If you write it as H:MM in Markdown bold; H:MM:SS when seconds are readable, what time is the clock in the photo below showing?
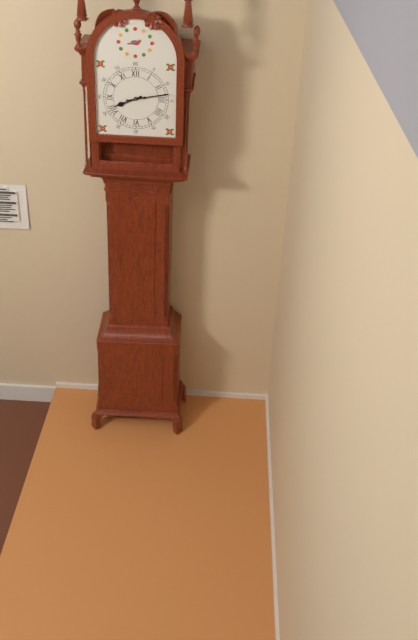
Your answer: **8:13**
